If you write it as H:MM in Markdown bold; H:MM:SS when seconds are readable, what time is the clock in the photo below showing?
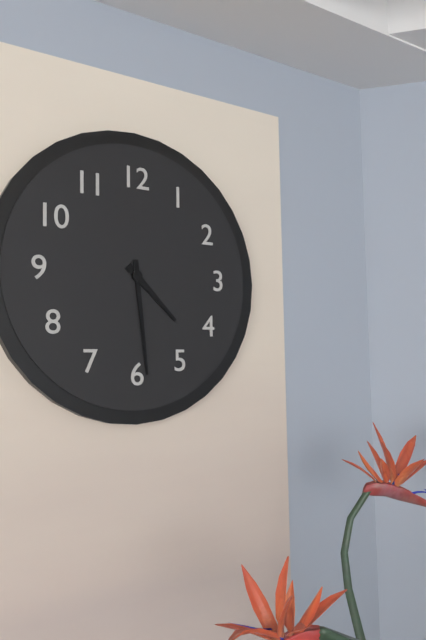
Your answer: **4:29**
